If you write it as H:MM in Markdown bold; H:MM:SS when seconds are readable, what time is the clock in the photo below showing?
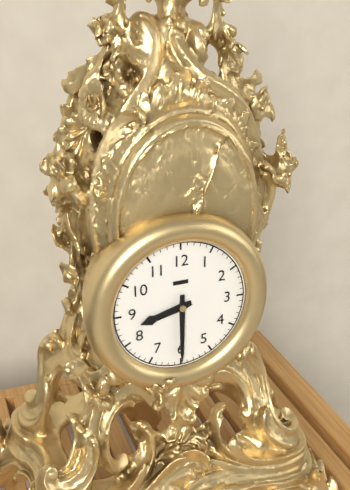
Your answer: **8:30**
